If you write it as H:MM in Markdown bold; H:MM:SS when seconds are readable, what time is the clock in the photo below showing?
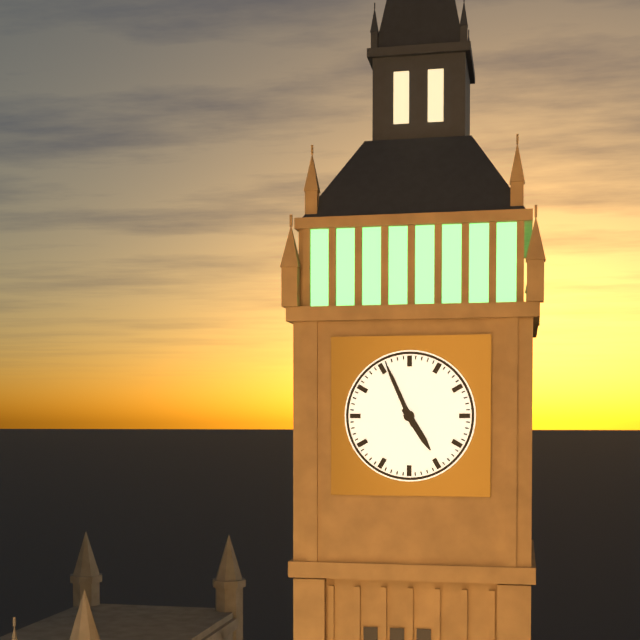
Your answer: **4:56**
